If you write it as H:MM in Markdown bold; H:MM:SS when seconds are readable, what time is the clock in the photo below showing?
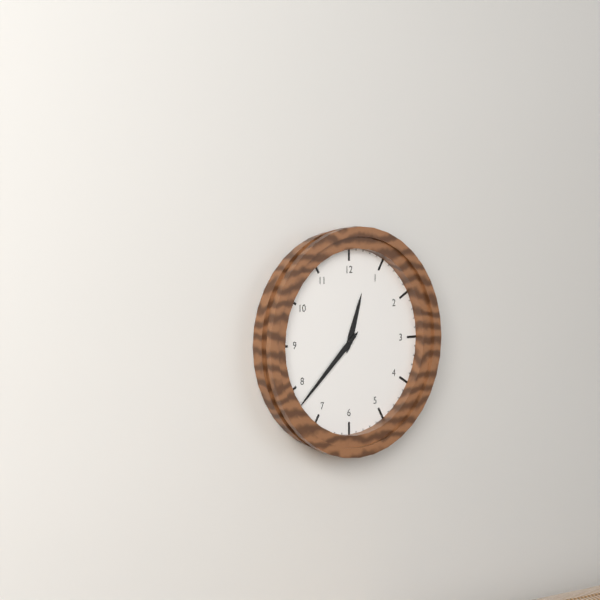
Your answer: **12:38**
